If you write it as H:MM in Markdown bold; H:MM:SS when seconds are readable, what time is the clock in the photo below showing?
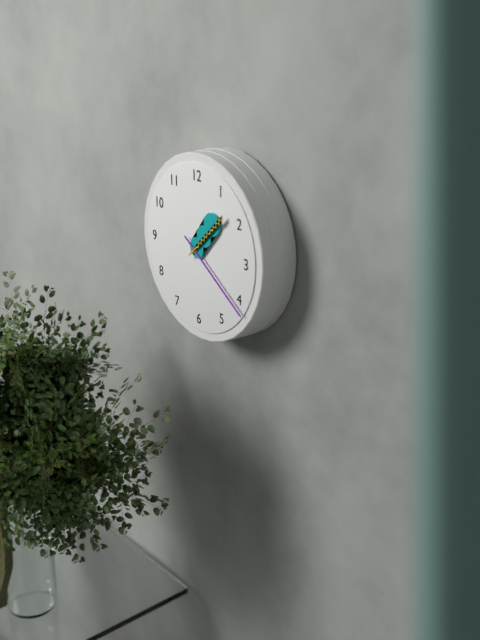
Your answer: **1:21:08**
